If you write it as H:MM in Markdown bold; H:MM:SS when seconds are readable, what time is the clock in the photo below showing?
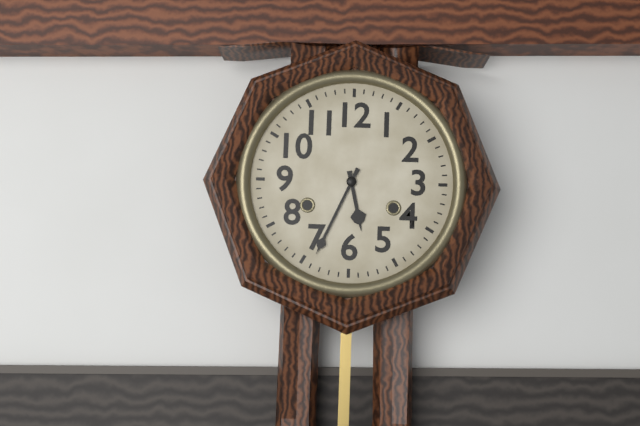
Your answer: **5:34**
